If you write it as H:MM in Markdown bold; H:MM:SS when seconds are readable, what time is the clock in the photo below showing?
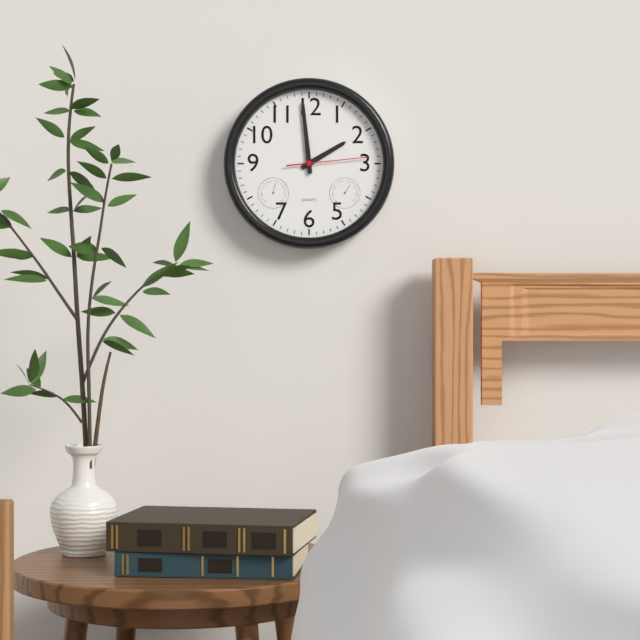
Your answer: **1:59:14**
